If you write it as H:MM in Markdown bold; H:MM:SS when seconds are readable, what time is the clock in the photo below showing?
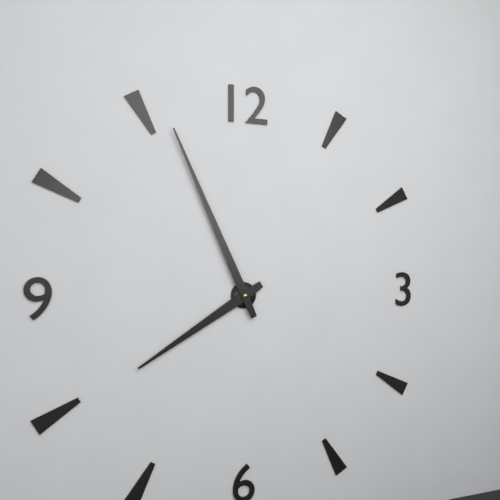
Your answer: **7:56**
